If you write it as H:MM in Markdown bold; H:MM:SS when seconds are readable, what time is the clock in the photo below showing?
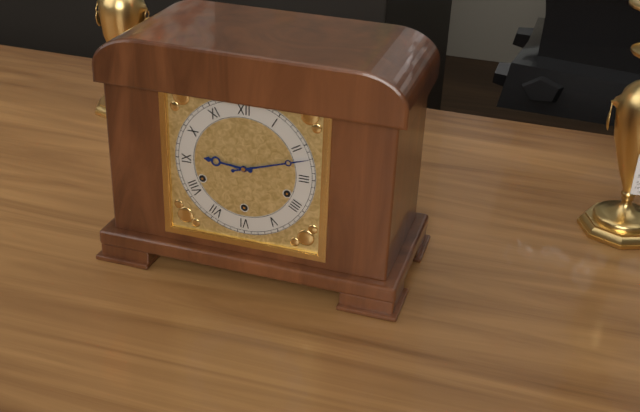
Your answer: **9:12**
